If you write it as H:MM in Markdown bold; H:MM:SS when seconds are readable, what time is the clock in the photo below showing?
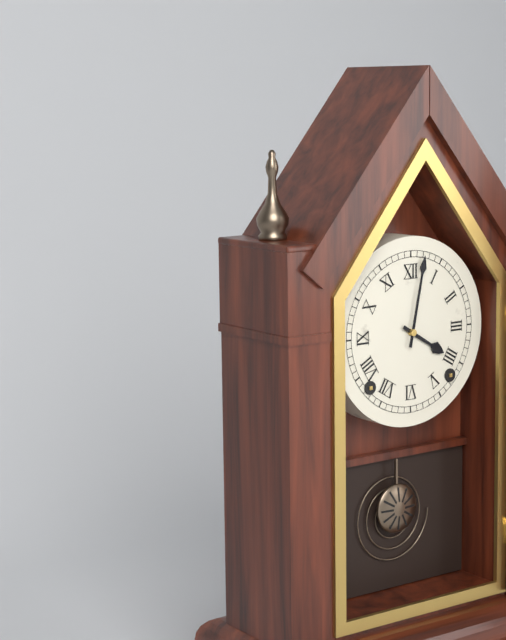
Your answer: **4:02**
